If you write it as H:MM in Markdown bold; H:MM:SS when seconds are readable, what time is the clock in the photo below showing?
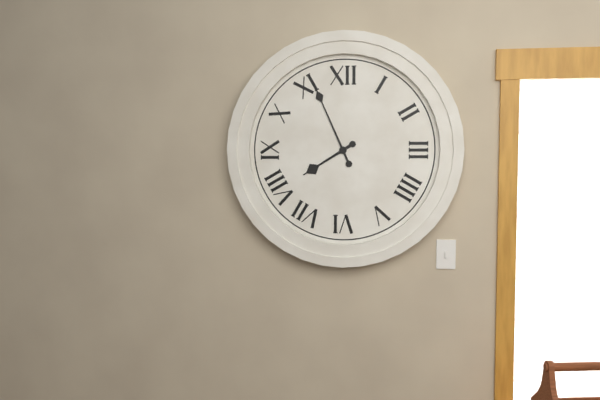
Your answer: **7:56**
